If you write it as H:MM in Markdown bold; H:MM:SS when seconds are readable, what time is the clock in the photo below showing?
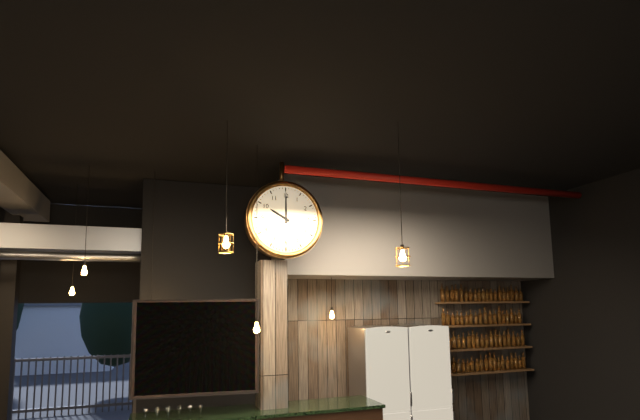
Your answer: **10:00**
